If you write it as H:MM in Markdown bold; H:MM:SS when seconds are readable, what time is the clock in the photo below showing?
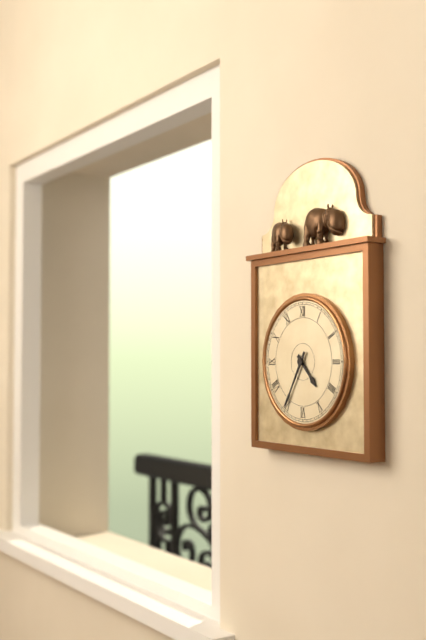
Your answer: **4:35**
